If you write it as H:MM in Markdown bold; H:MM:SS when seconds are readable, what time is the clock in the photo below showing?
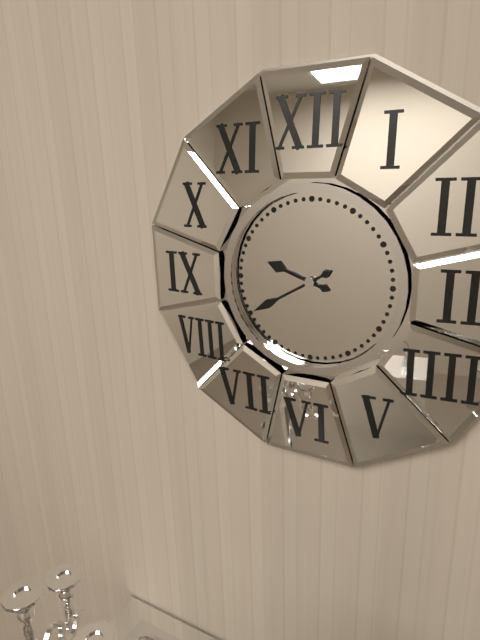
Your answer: **9:40**
